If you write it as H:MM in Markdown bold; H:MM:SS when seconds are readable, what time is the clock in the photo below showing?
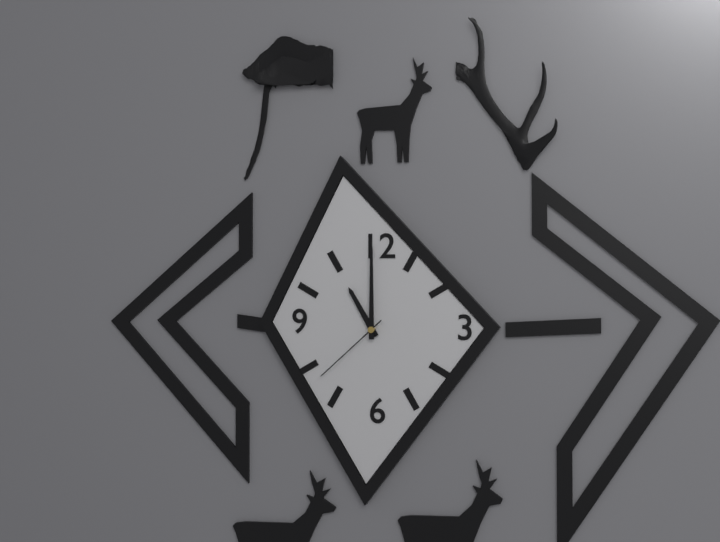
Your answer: **11:00:38**
